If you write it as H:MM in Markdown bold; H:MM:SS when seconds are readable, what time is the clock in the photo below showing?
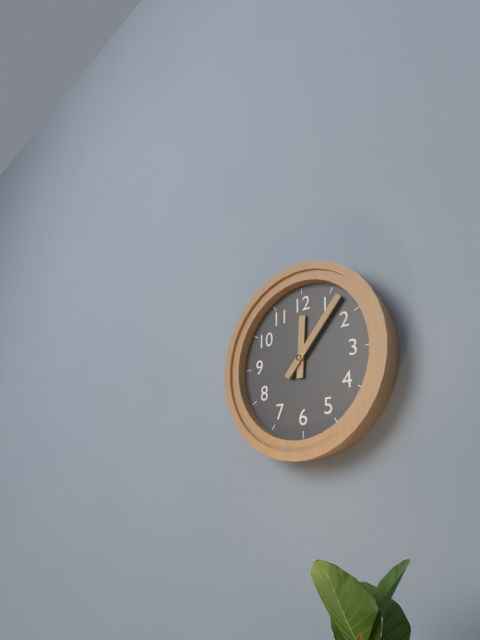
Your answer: **12:07**
